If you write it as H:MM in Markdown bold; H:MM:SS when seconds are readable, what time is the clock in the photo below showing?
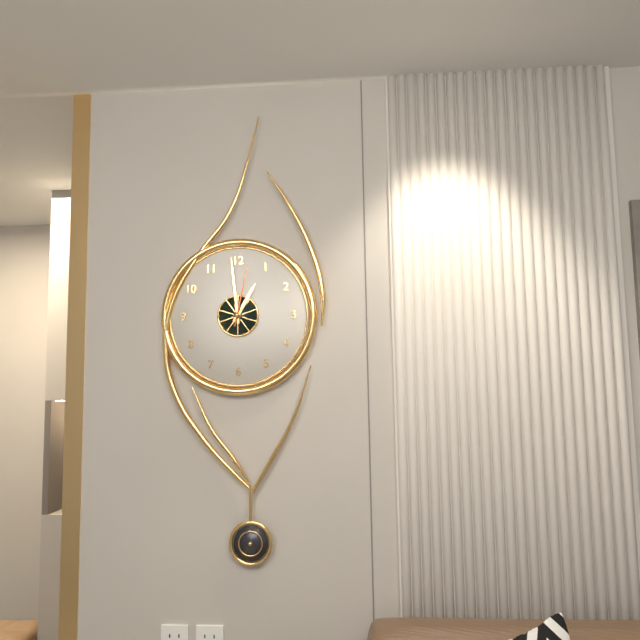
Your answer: **12:59:02**
